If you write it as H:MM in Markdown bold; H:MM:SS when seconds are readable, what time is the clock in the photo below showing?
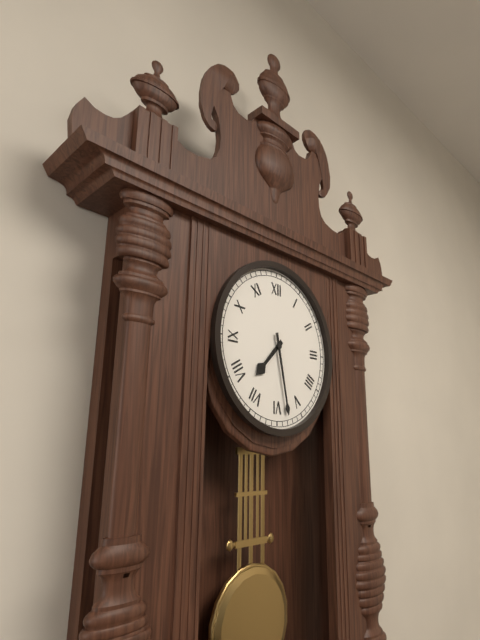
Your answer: **7:28**
